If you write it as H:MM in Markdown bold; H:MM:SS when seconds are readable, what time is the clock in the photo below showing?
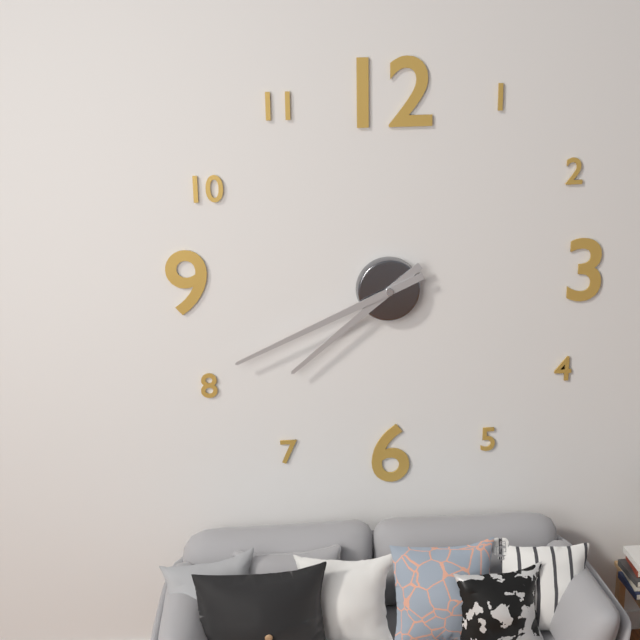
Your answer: **7:41**
